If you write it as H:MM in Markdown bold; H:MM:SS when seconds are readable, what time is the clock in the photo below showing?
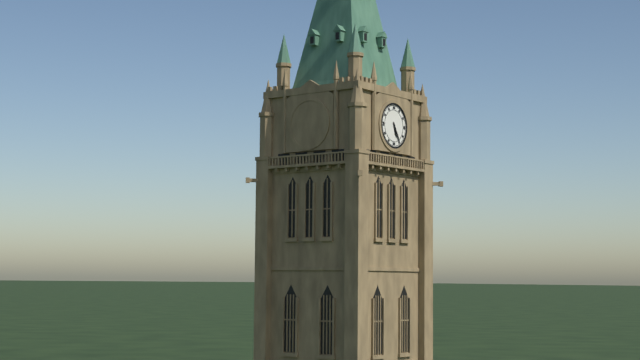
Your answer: **5:25**
